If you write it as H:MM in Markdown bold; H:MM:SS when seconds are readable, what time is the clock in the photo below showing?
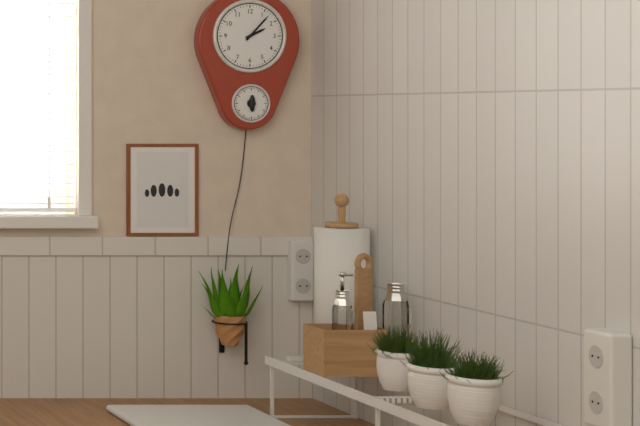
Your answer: **2:07**
